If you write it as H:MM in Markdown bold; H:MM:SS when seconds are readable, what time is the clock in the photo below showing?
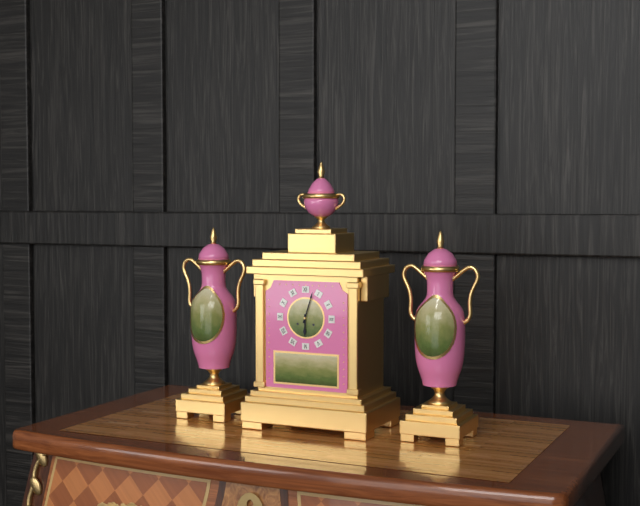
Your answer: **6:03**
